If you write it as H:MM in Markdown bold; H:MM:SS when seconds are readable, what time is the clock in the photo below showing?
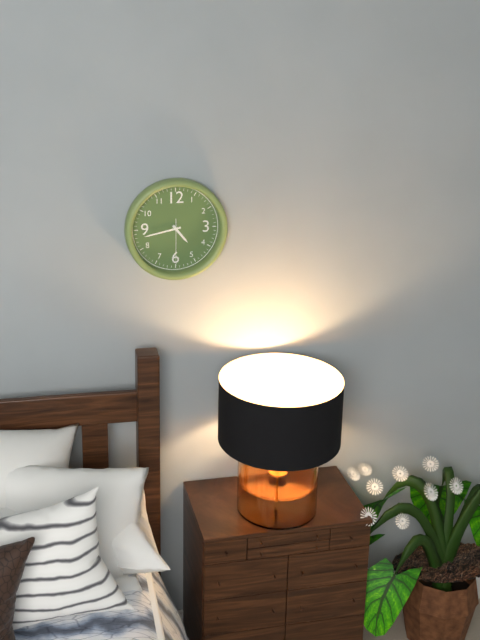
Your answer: **4:43**
